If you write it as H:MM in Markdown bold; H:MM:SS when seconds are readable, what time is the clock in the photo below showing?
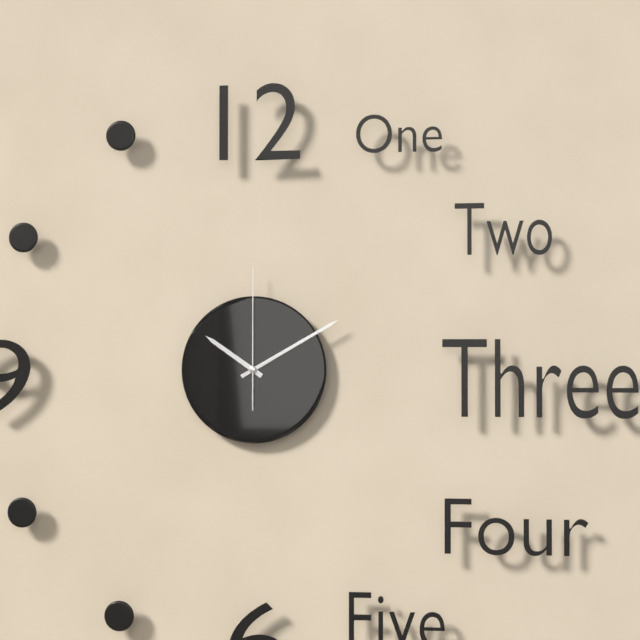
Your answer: **10:10:00**
